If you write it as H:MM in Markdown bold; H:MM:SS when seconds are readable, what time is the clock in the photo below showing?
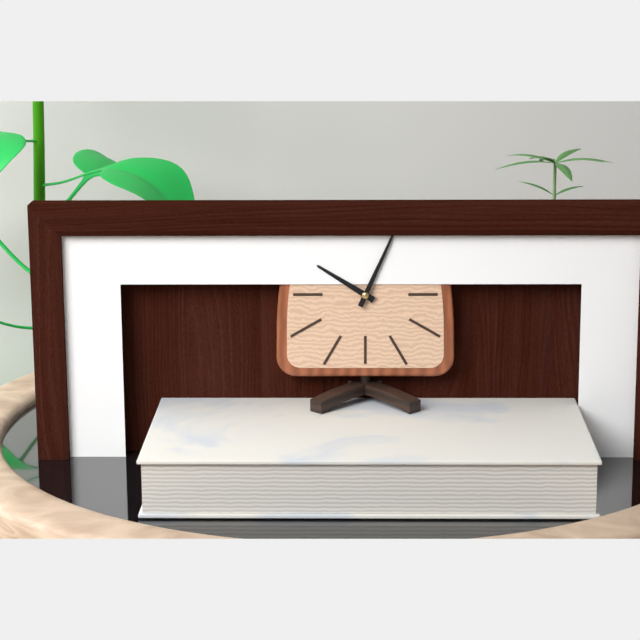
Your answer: **10:04**
